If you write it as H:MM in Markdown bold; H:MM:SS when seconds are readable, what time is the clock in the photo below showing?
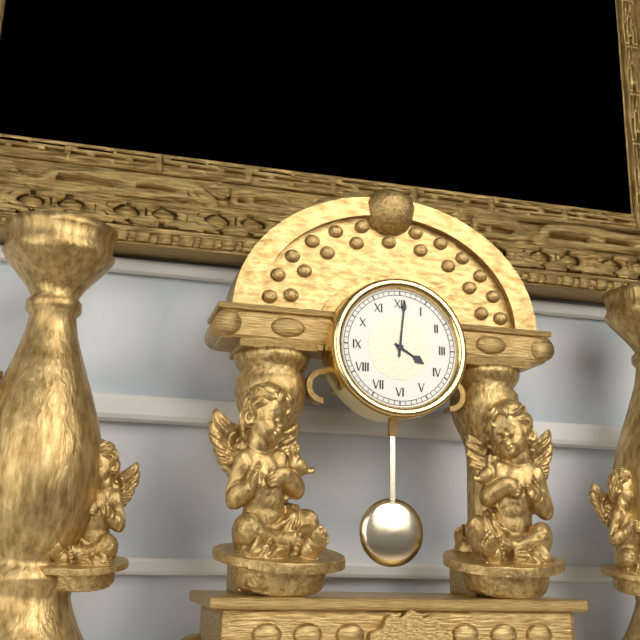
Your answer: **4:01**
